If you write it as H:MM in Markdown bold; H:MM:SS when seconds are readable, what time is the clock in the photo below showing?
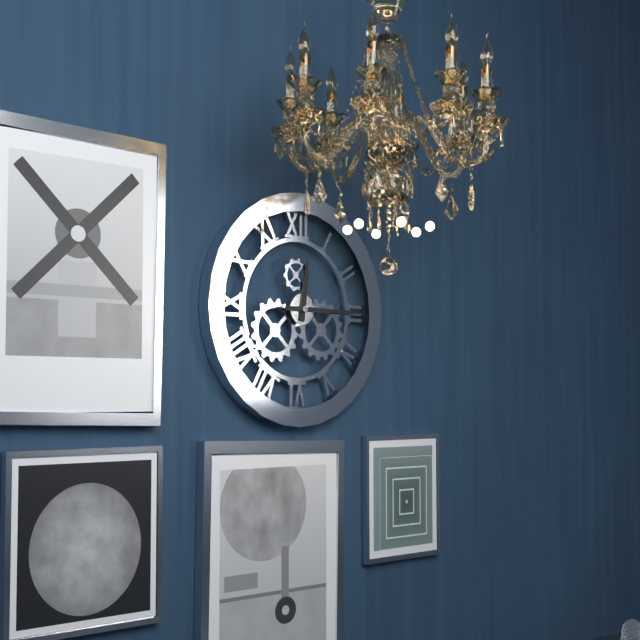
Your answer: **12:15**
